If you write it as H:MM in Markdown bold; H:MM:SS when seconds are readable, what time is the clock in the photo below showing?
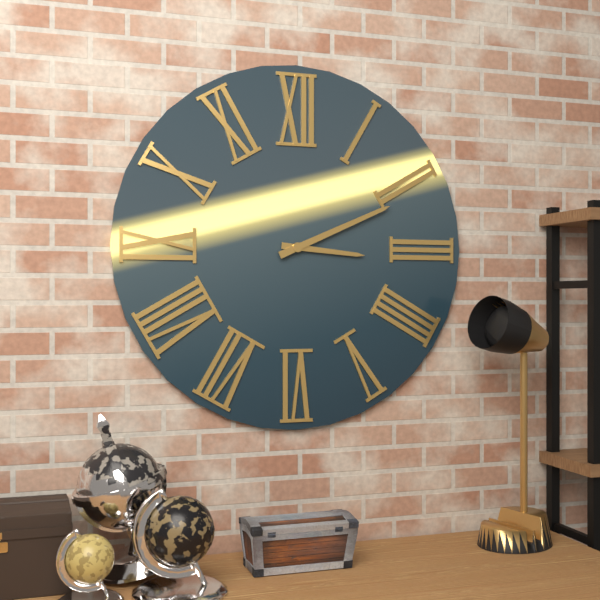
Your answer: **3:11**
